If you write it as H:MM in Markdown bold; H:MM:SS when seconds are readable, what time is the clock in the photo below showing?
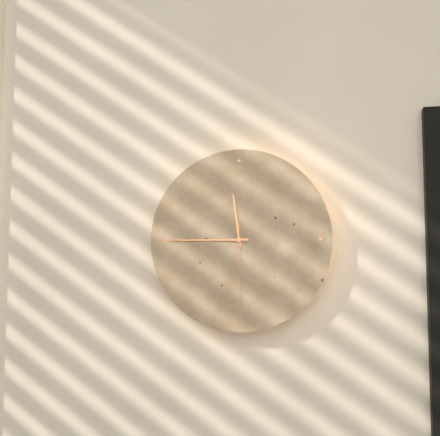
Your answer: **11:45:30**
